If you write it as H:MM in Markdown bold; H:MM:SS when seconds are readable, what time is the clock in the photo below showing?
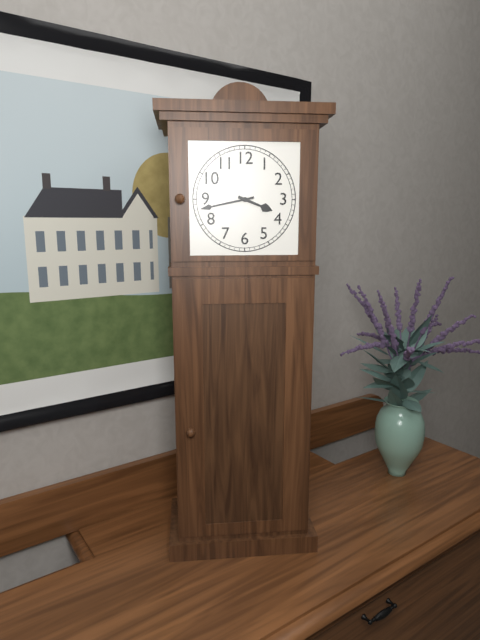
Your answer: **3:43**
